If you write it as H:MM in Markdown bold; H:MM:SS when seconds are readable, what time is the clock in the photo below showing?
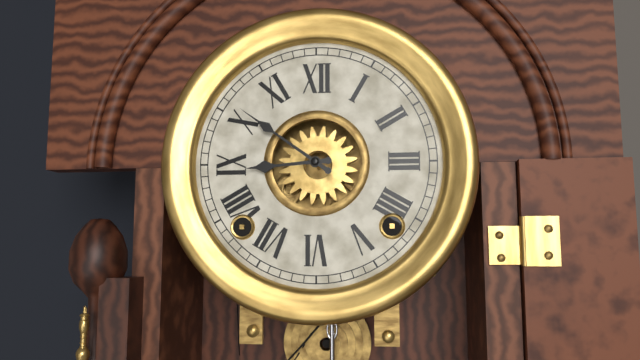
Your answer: **8:51**
